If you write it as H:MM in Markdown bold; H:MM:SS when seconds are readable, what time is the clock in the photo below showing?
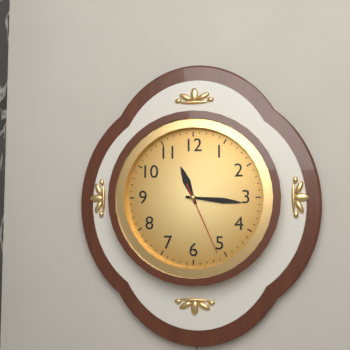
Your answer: **11:16:26**
